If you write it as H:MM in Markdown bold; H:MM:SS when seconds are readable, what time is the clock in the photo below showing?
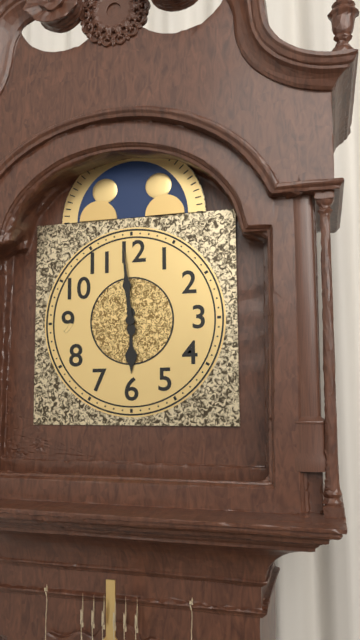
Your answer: **5:59**
